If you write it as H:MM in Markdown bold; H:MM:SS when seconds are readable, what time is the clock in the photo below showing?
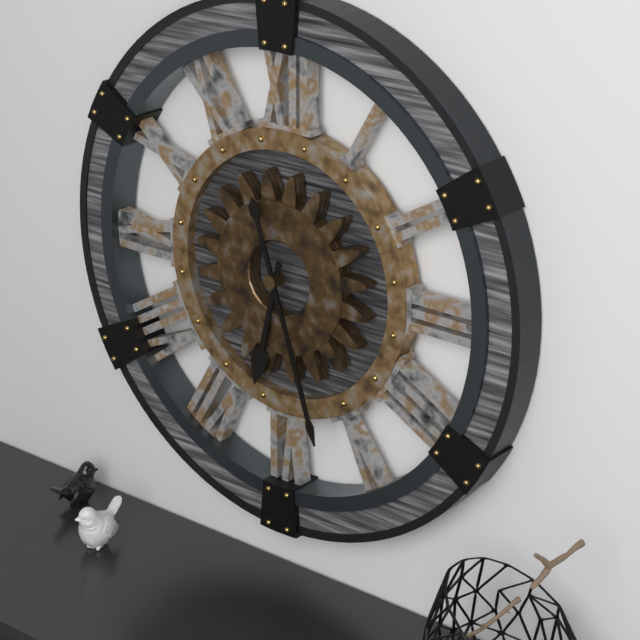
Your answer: **6:27**
